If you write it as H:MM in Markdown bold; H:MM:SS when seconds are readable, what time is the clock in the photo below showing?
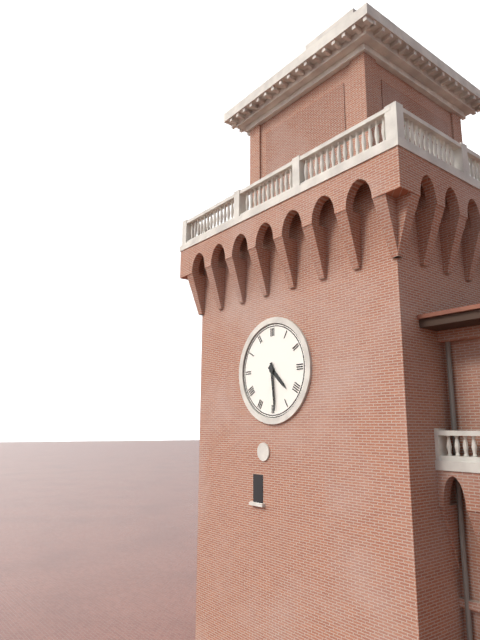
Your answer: **4:29**
